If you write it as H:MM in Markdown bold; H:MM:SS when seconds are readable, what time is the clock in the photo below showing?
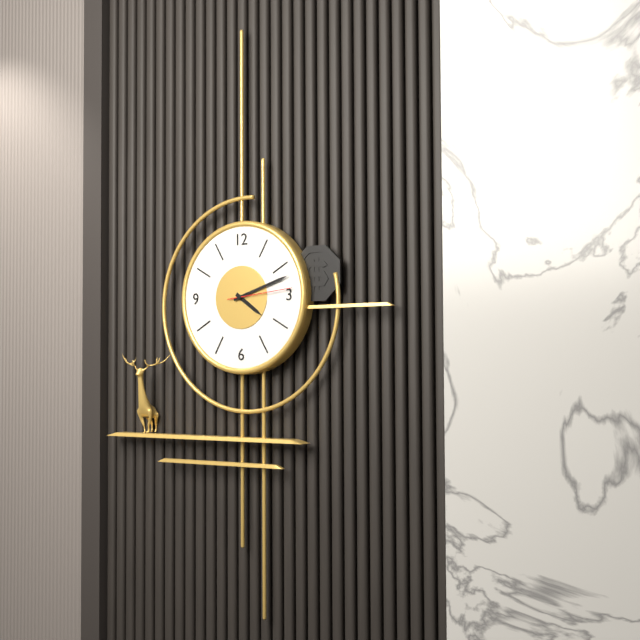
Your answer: **4:12:14**
